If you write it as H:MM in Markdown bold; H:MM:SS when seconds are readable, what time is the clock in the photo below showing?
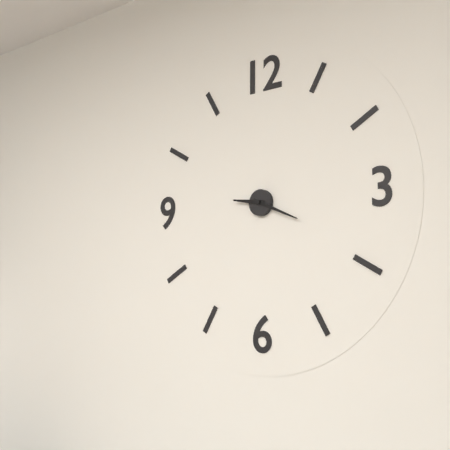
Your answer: **9:19**
